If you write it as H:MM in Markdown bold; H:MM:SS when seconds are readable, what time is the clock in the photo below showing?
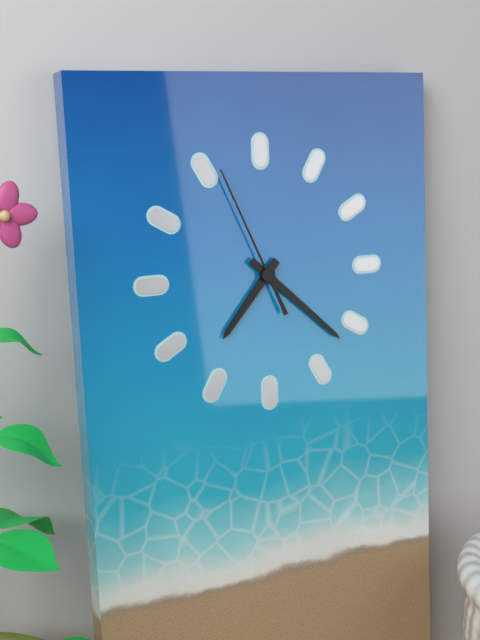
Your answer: **7:22:56**
